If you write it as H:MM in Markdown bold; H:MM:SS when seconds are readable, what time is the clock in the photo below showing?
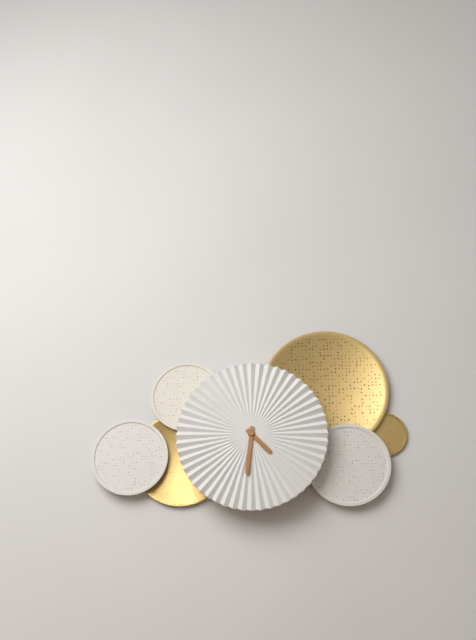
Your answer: **4:31**
